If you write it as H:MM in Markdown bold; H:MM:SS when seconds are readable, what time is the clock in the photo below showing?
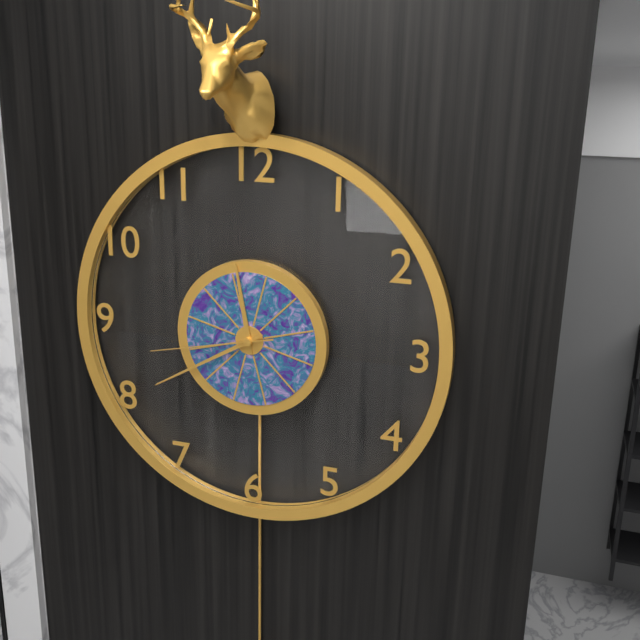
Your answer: **11:40:43**
